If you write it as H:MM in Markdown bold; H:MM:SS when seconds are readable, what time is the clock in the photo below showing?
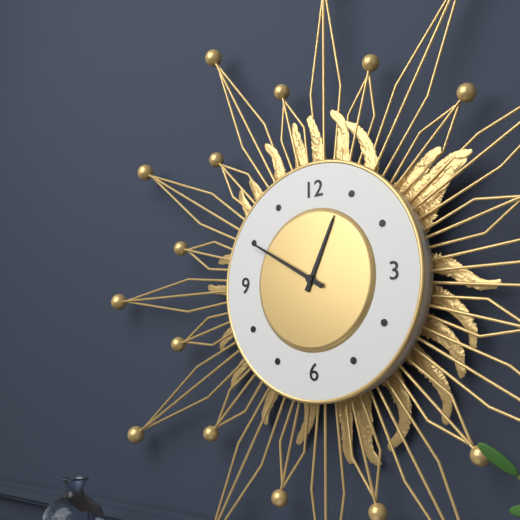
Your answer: **12:50**
